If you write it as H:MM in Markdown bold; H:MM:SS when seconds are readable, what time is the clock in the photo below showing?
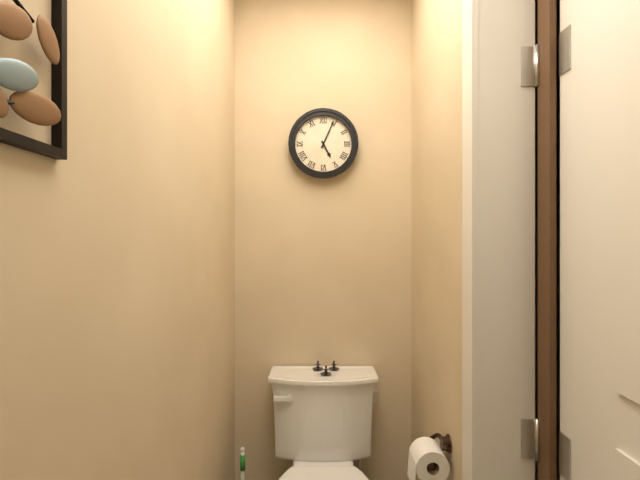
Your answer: **5:04**
